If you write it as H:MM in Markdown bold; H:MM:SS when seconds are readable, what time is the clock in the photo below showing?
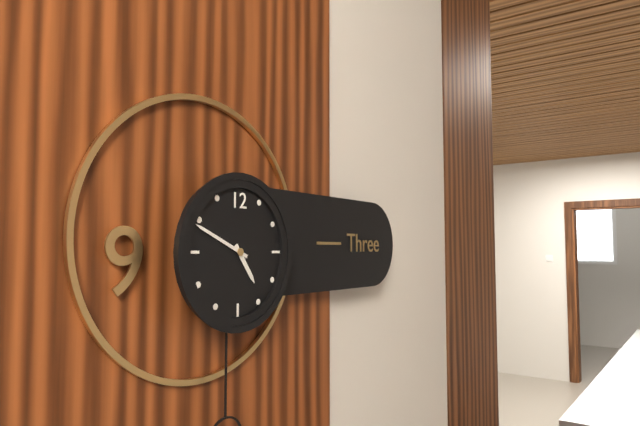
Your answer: **4:49**
